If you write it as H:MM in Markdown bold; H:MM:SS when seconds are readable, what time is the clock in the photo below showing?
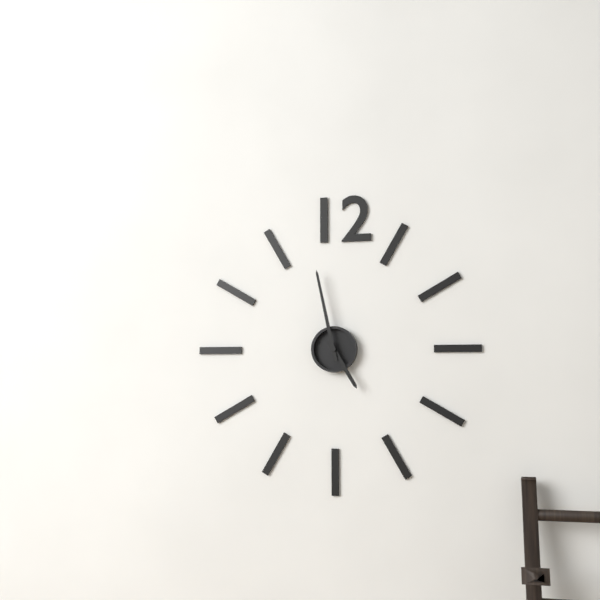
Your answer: **4:58**
